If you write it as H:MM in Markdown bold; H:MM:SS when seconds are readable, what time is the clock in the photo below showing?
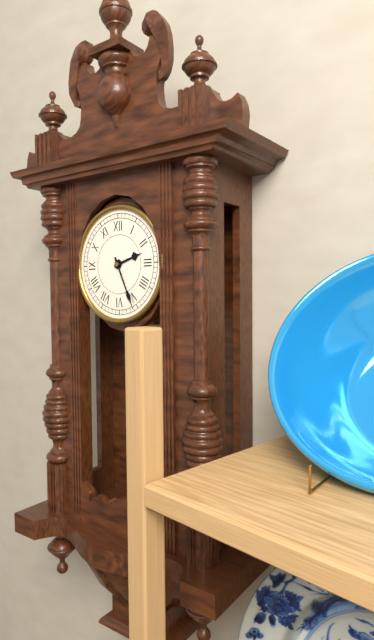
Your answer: **2:26**
